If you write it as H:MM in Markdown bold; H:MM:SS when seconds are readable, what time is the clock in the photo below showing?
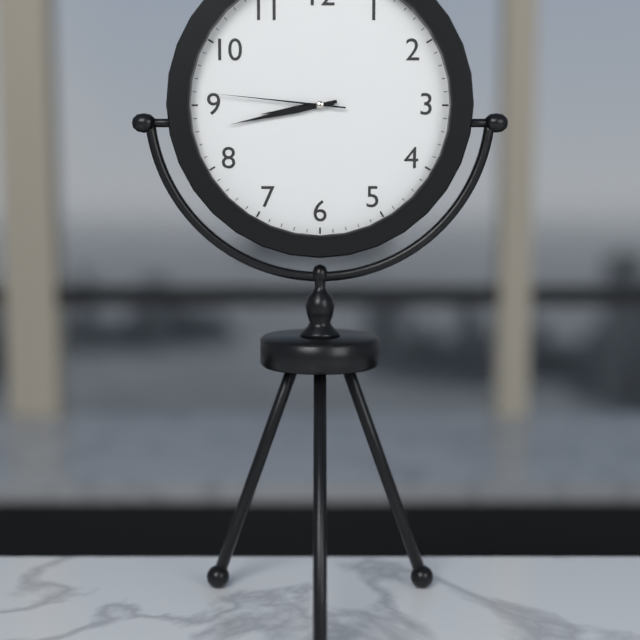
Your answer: **8:43:46**
